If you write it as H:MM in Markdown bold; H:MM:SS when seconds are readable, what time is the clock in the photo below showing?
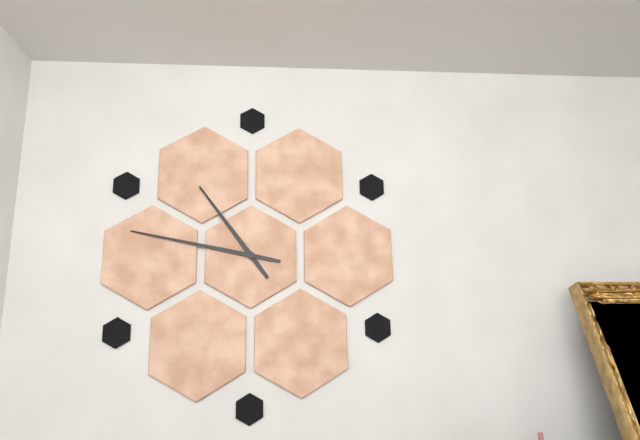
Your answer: **10:47**
